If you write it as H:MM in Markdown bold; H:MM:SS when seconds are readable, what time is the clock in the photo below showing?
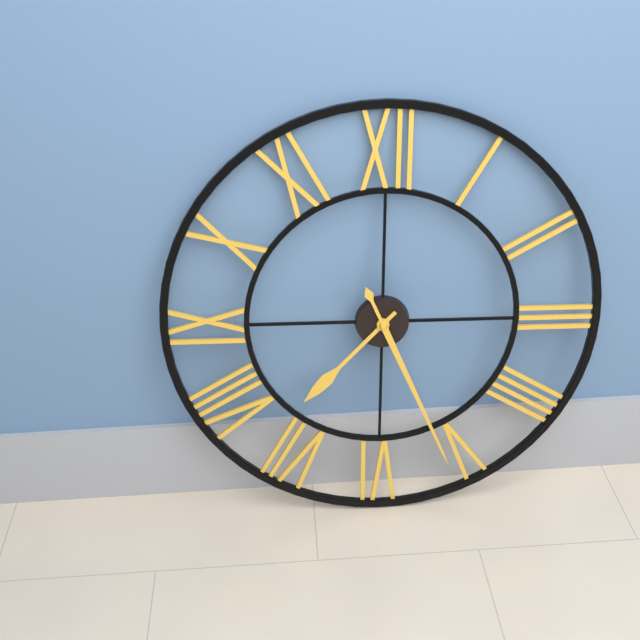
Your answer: **7:26**
